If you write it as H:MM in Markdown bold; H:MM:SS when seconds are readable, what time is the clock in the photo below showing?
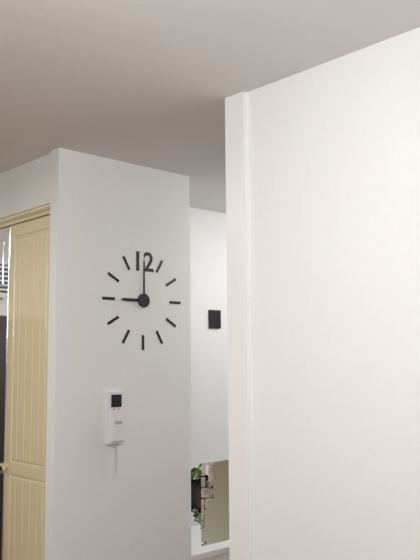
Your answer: **9:00**
